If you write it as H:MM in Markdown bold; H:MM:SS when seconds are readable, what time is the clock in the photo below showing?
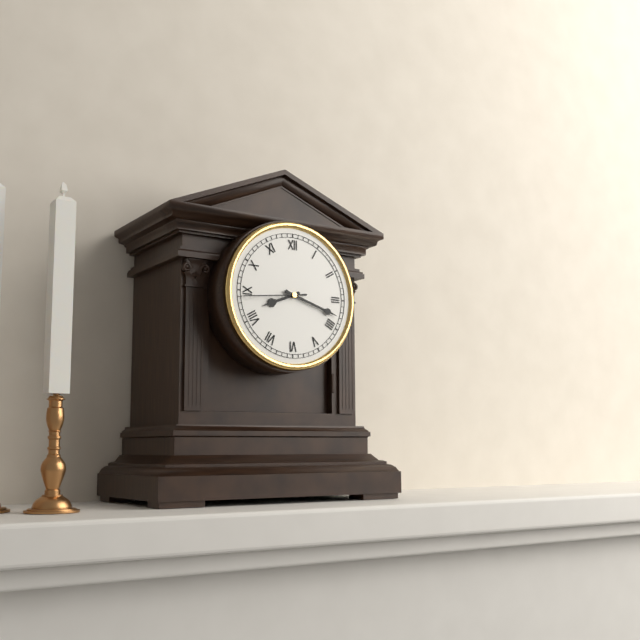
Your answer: **8:18:44**
